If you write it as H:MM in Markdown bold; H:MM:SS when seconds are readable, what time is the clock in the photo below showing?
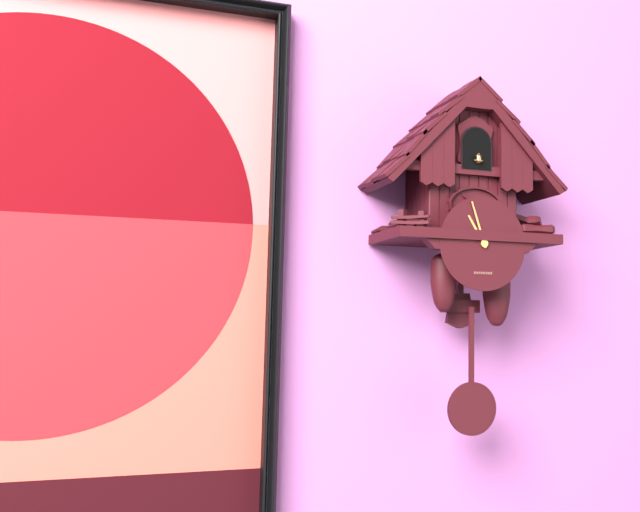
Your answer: **10:57**
